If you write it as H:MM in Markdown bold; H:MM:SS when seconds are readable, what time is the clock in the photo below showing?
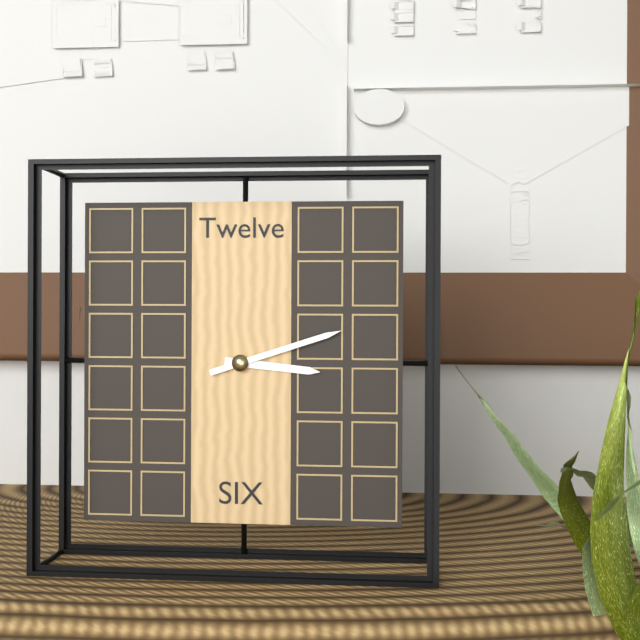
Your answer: **3:12**
